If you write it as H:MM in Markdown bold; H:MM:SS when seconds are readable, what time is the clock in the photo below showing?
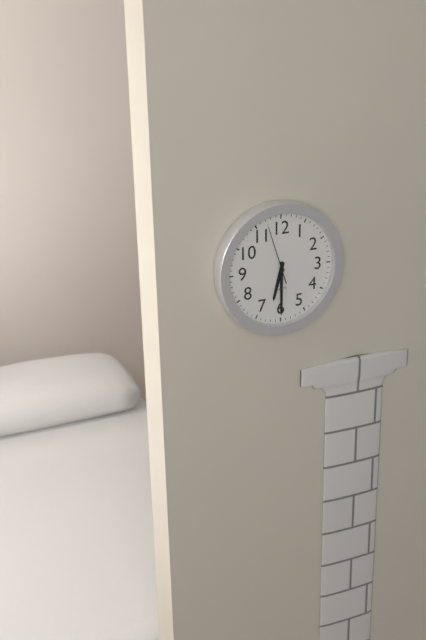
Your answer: **6:30:57**
